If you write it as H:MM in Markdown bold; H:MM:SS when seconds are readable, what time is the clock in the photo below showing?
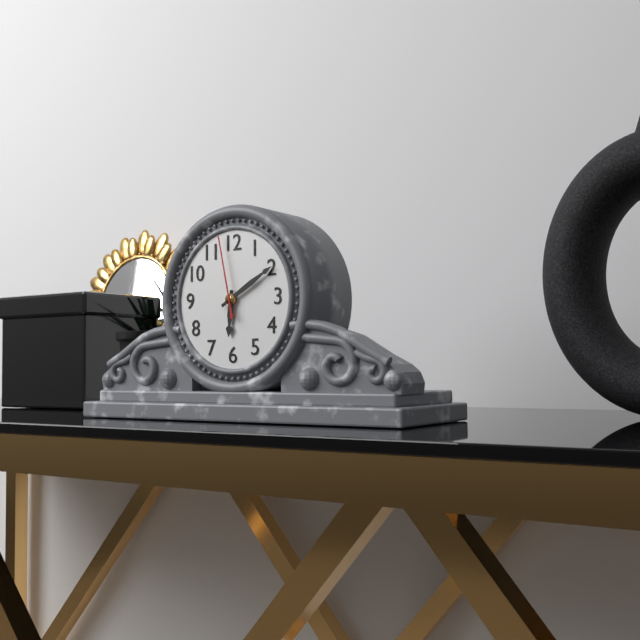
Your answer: **6:10:58**
